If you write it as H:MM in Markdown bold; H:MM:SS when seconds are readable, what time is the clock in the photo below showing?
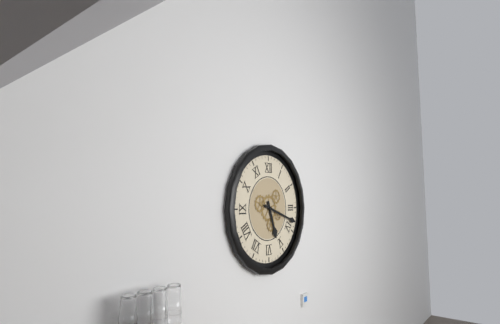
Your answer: **5:18**
